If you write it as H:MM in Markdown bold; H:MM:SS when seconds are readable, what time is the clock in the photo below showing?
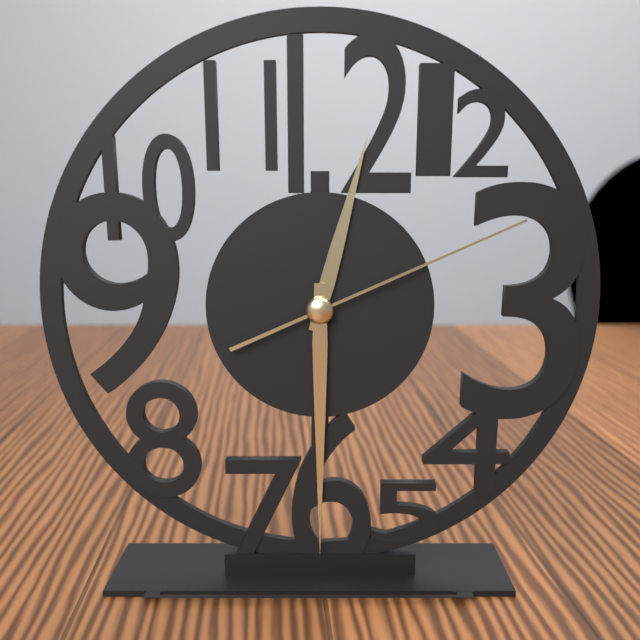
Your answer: **12:30:11**
